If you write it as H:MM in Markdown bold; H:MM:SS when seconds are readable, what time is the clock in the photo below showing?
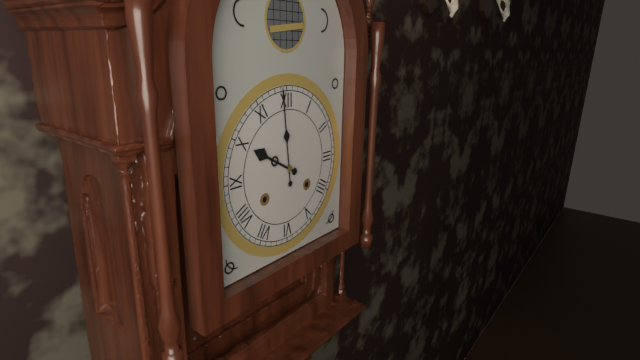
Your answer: **9:59**
